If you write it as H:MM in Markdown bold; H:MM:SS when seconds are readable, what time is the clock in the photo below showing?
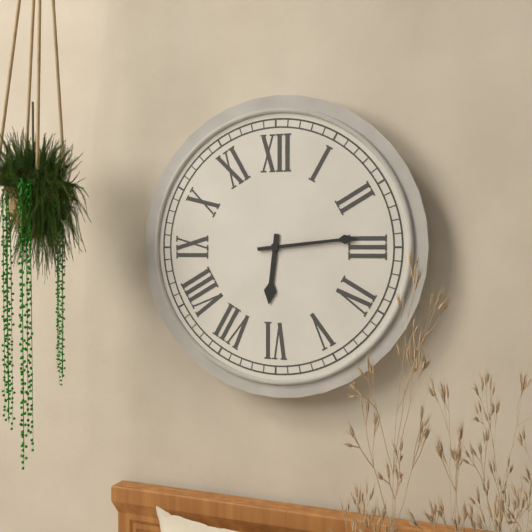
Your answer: **6:14**
